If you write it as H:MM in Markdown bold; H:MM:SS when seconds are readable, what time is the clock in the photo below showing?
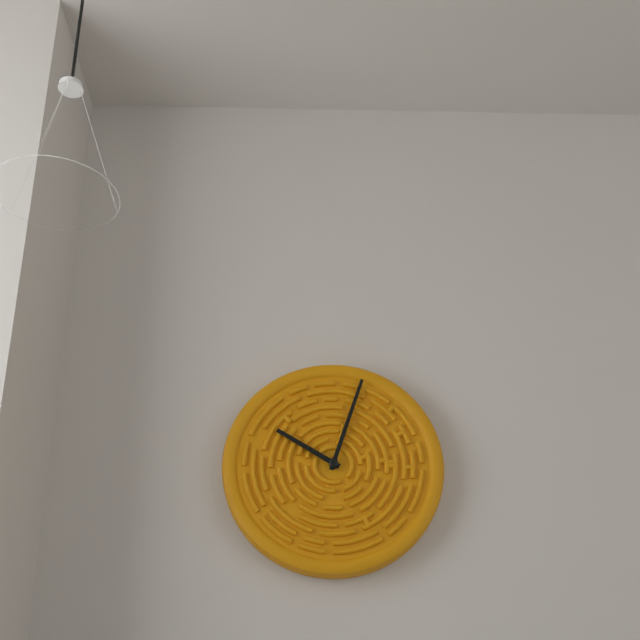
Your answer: **10:03**
